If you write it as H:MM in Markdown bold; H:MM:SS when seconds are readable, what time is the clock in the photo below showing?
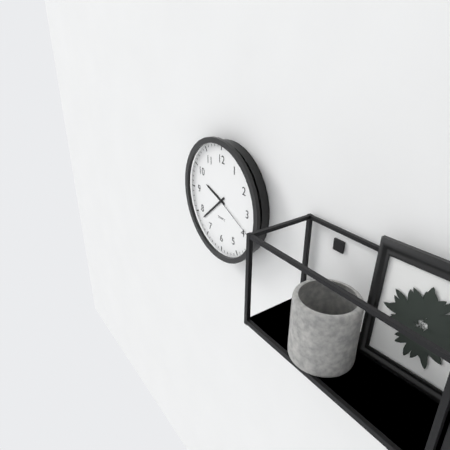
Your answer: **9:38:19**
